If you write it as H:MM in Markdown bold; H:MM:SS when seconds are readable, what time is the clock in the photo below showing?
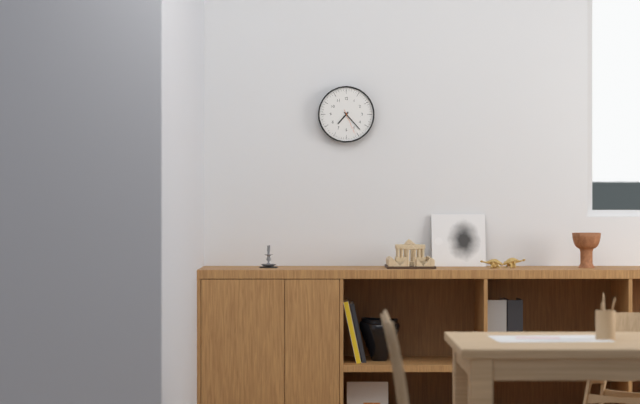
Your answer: **7:23**
